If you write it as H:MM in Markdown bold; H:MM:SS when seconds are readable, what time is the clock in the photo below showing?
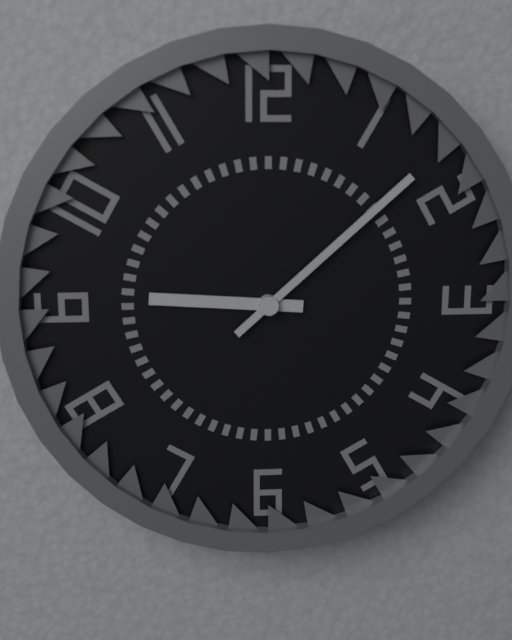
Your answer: **9:08**
